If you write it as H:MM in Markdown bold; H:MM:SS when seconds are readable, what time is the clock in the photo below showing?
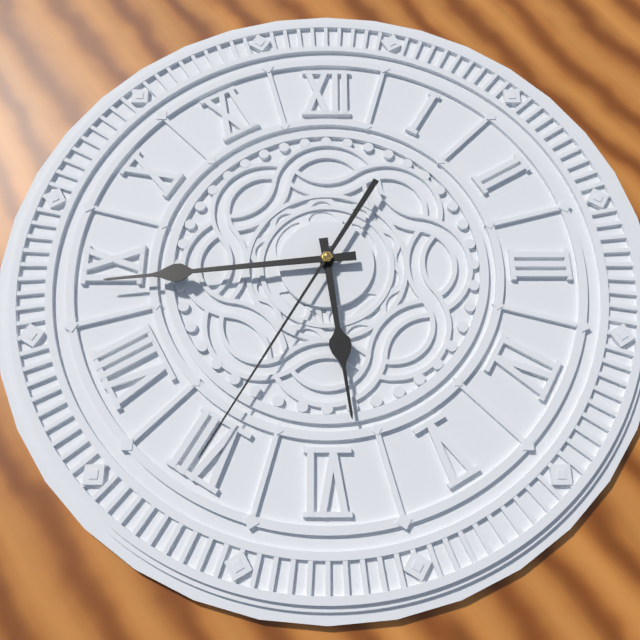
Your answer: **5:44:35**
